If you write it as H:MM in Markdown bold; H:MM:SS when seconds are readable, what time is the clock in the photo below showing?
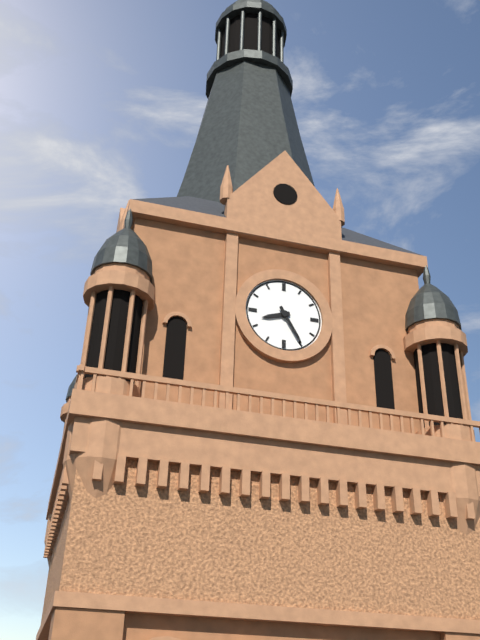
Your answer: **8:25**
